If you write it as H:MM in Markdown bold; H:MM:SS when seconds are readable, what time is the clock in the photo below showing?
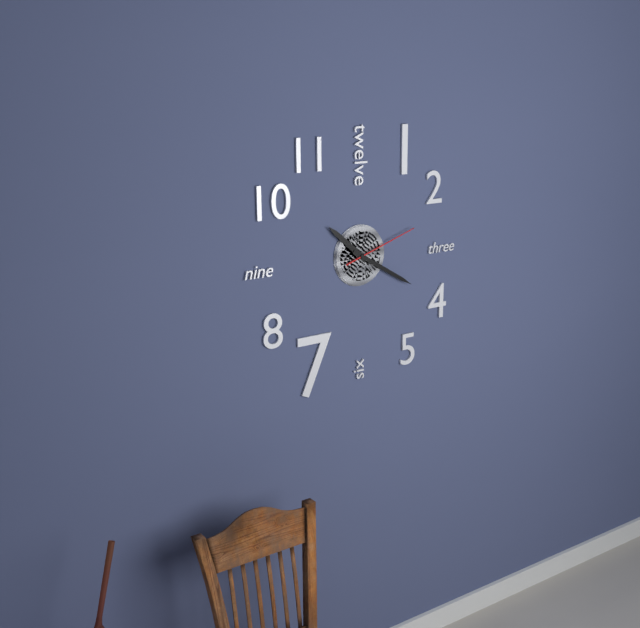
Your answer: **10:20:12**
